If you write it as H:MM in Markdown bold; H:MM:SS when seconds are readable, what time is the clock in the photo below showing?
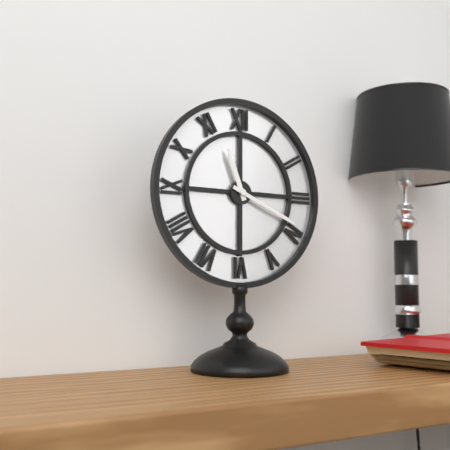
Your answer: **11:19**
